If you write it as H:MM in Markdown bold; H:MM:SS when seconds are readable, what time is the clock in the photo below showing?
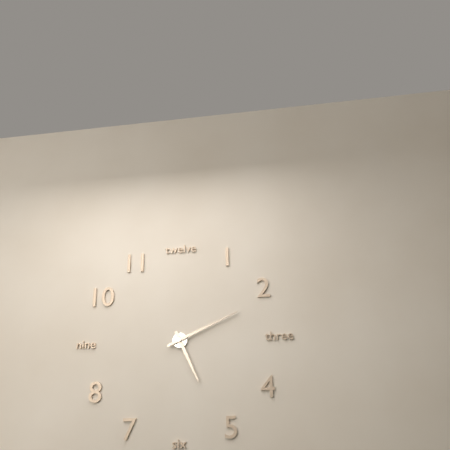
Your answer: **5:11**
